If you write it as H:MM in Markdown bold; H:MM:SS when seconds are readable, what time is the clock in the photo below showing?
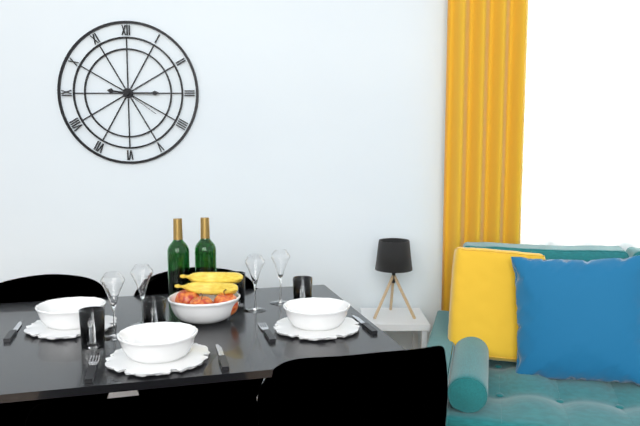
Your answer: **9:15**
